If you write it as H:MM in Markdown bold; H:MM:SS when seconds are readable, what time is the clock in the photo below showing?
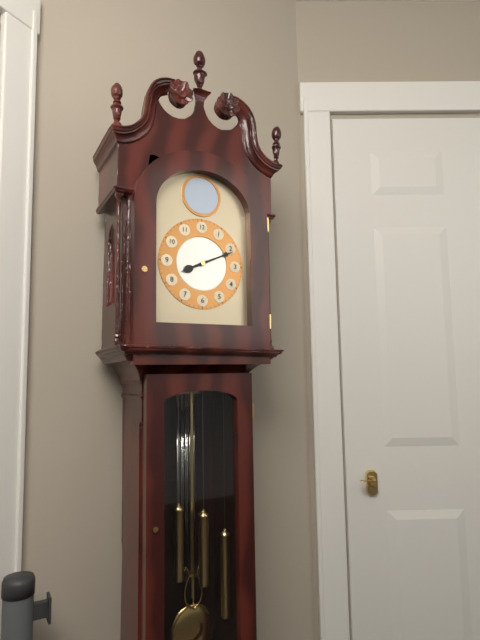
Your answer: **8:11**
